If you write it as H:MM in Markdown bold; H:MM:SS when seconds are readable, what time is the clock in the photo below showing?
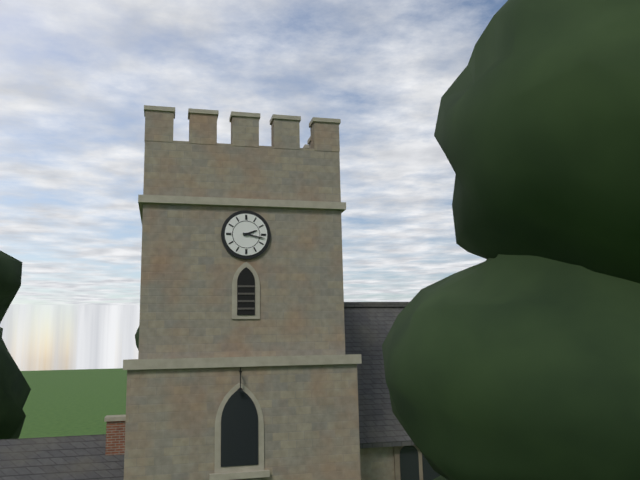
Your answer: **2:17**
